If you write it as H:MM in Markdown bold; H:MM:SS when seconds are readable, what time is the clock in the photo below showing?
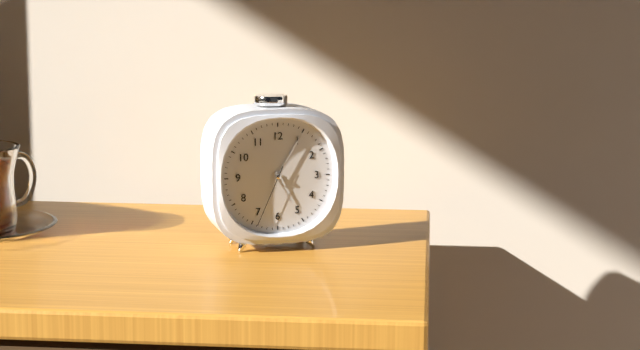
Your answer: **5:05:34**
